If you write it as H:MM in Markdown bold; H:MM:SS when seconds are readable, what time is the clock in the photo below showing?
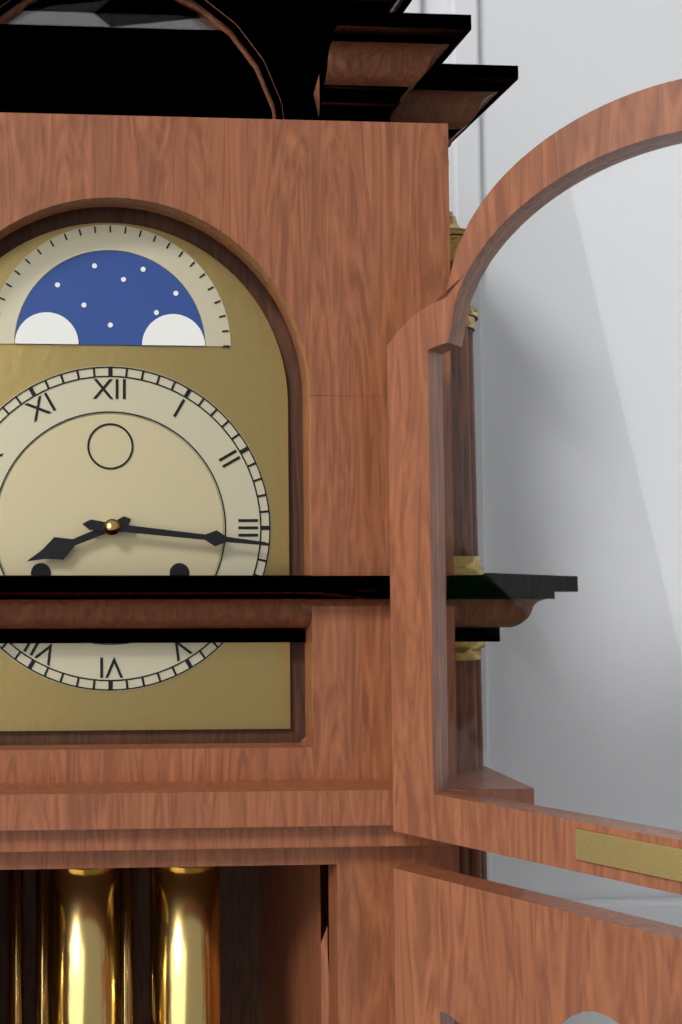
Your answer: **8:16**
